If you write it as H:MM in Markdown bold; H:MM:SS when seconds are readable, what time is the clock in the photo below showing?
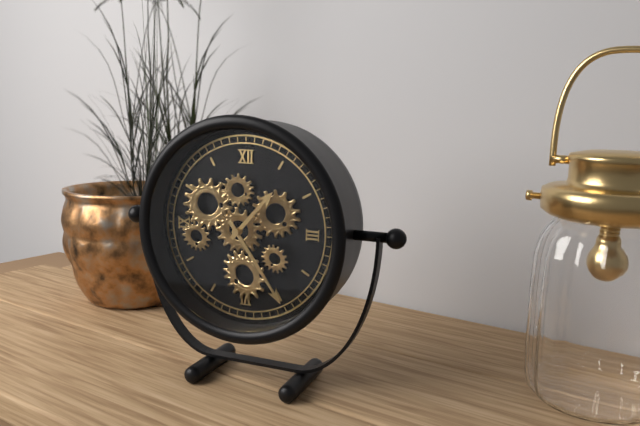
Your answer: **1:24**
